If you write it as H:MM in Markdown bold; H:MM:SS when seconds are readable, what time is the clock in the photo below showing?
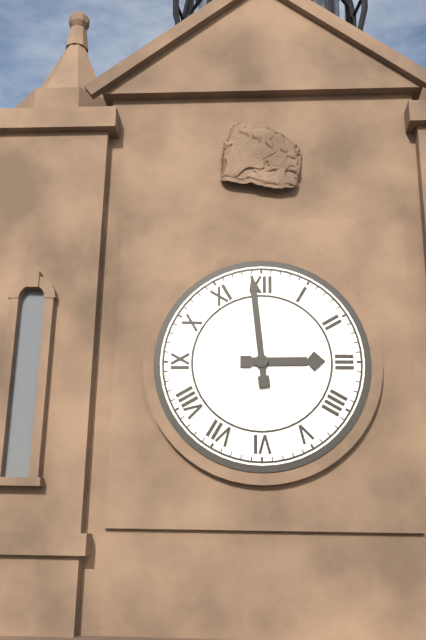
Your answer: **2:59**
